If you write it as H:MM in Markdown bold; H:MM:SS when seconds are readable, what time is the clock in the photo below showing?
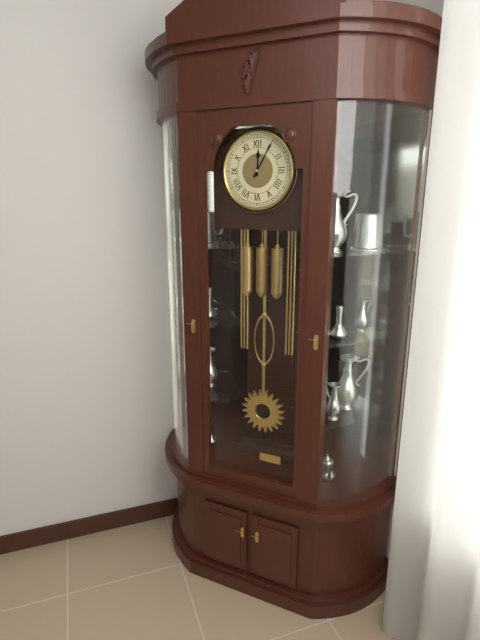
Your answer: **12:05**
